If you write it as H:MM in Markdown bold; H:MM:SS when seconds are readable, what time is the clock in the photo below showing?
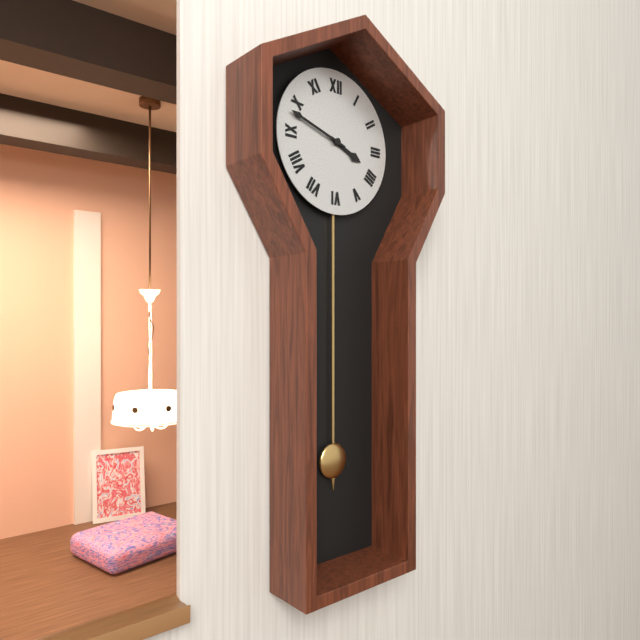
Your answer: **3:48**
